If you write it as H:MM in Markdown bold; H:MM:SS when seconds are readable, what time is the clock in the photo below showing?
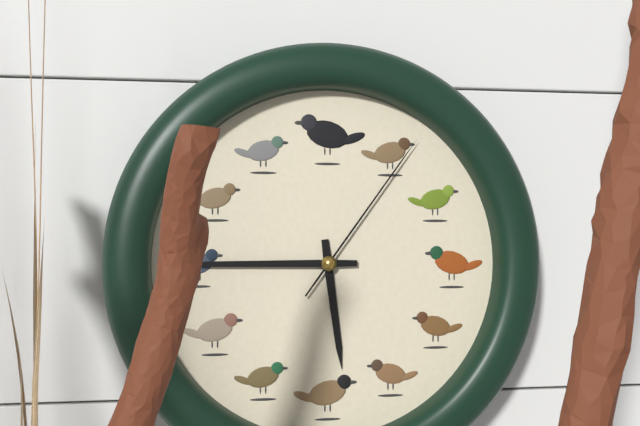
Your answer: **5:45:06**
